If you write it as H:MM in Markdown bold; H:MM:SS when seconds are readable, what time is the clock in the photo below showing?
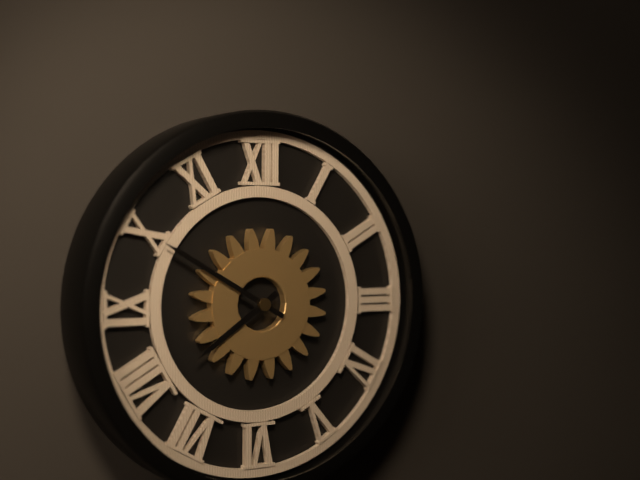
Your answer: **7:50**
